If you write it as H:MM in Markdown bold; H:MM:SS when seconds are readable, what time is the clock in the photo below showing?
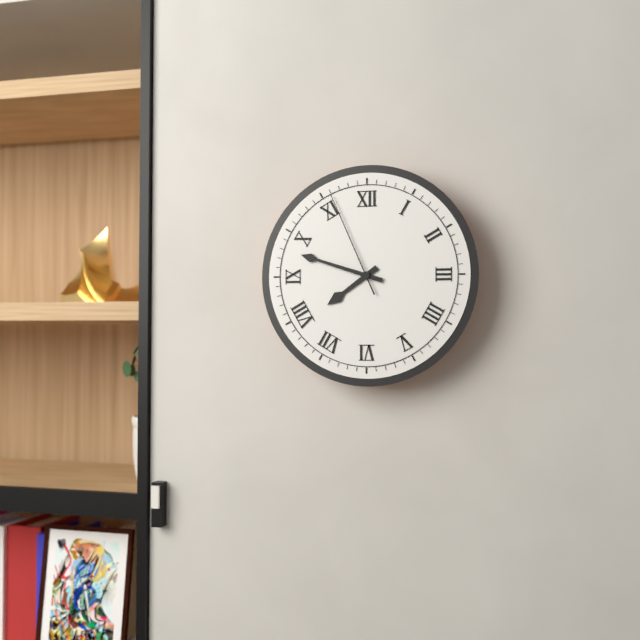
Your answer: **7:48:56**
